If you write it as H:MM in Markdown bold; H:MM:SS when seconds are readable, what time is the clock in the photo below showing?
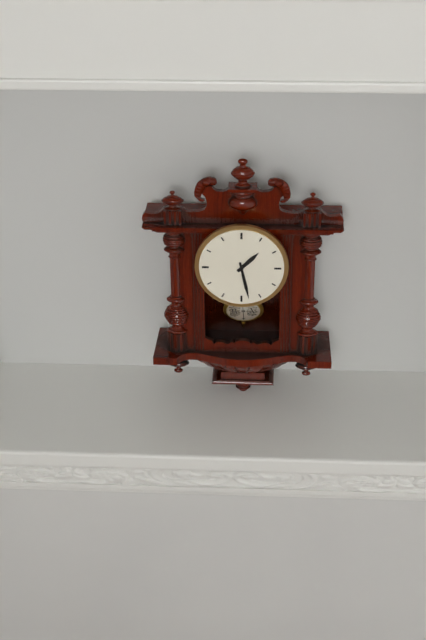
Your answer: **1:28**
